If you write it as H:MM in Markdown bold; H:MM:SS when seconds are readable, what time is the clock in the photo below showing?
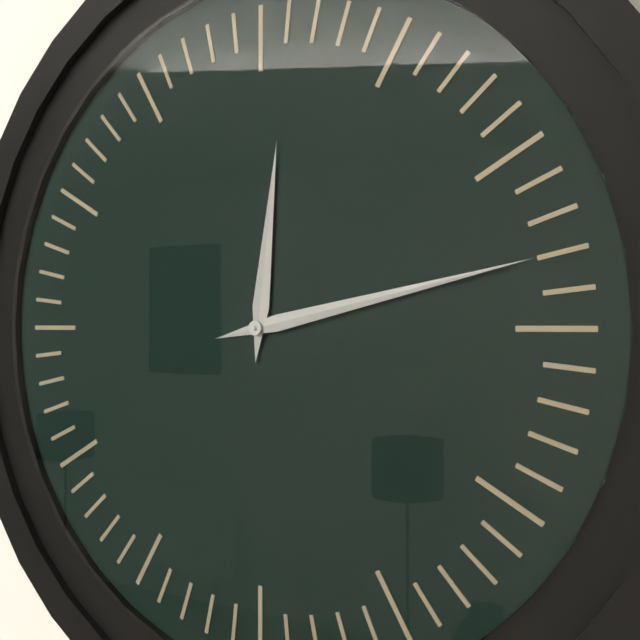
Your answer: **12:13**
